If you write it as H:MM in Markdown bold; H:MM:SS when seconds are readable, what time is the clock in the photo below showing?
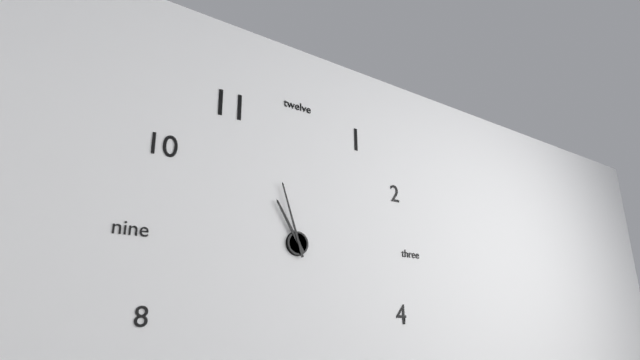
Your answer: **10:57**
